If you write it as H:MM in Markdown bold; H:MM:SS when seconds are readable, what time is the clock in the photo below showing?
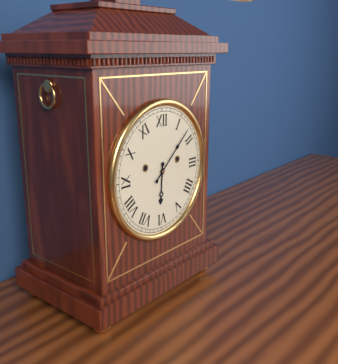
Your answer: **6:08**
